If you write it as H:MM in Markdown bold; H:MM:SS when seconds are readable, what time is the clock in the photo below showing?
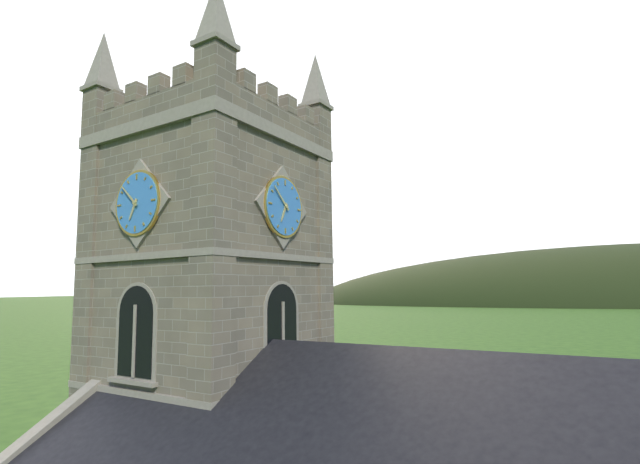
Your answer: **6:52**
